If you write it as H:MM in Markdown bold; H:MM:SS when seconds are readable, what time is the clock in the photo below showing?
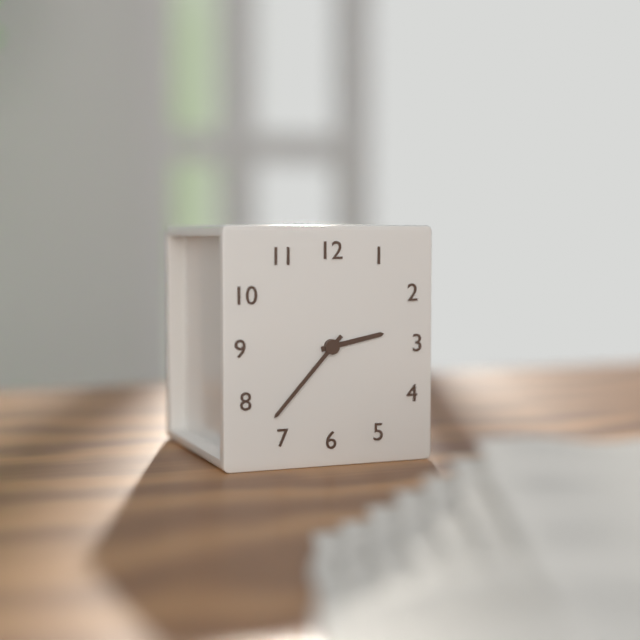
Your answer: **2:37**
